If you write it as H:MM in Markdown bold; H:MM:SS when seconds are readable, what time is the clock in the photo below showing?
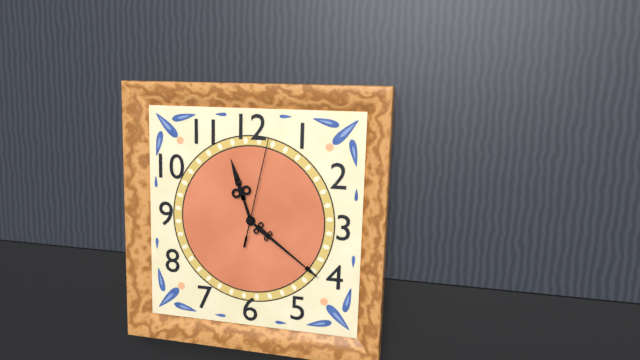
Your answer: **11:21:02**
